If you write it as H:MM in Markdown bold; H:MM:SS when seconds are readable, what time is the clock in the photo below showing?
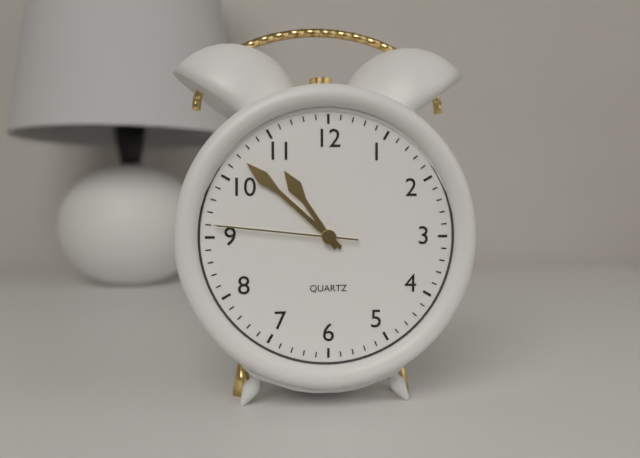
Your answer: **10:52:46**
